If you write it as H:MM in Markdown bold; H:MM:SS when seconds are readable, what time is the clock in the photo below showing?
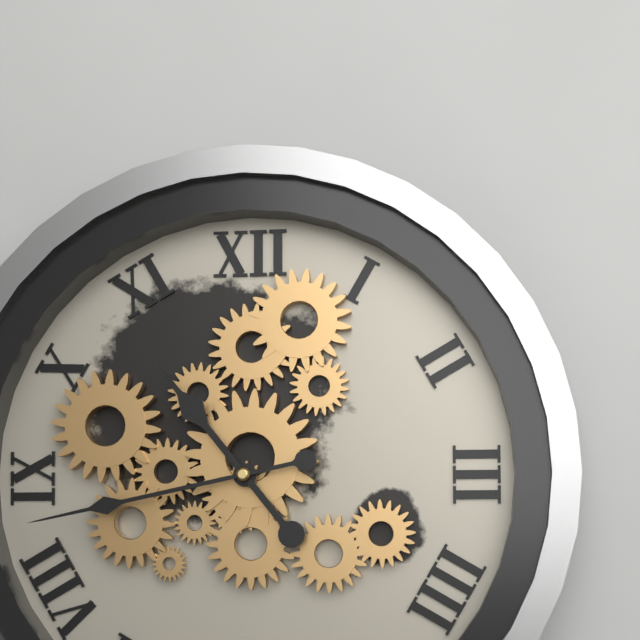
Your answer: **10:43**
